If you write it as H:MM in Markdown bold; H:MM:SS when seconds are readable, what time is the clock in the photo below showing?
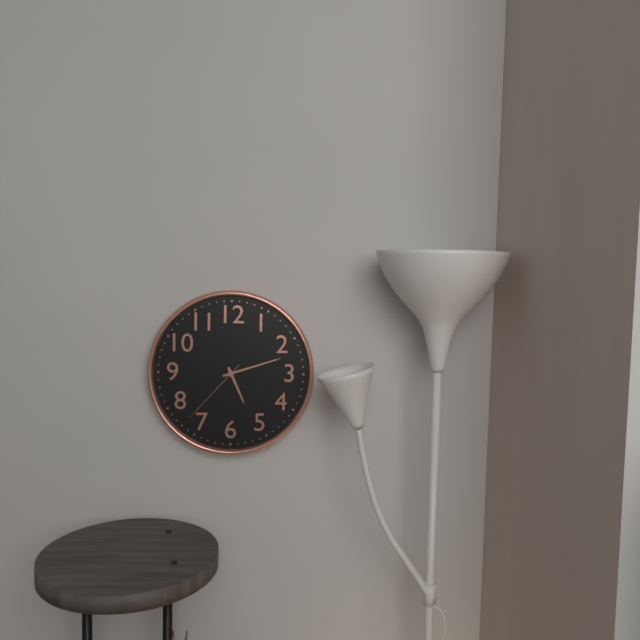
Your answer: **5:12:37**
